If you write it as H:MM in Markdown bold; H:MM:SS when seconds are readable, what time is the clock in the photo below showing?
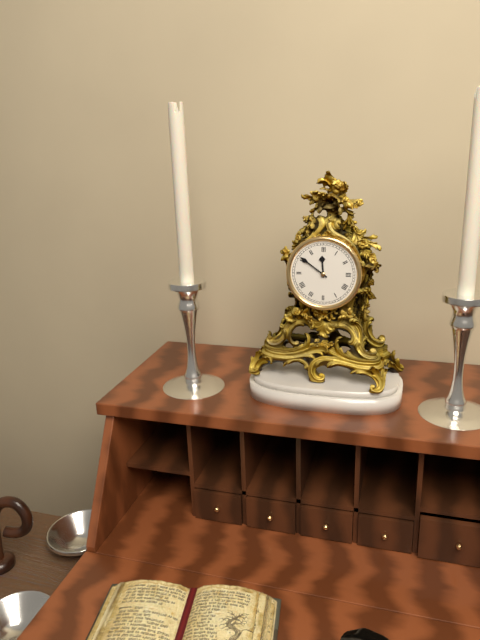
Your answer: **11:51**
